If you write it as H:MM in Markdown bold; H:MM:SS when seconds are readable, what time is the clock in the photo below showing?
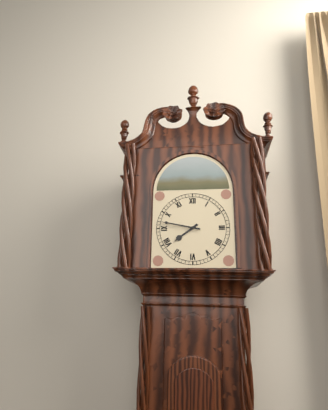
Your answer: **7:47**
